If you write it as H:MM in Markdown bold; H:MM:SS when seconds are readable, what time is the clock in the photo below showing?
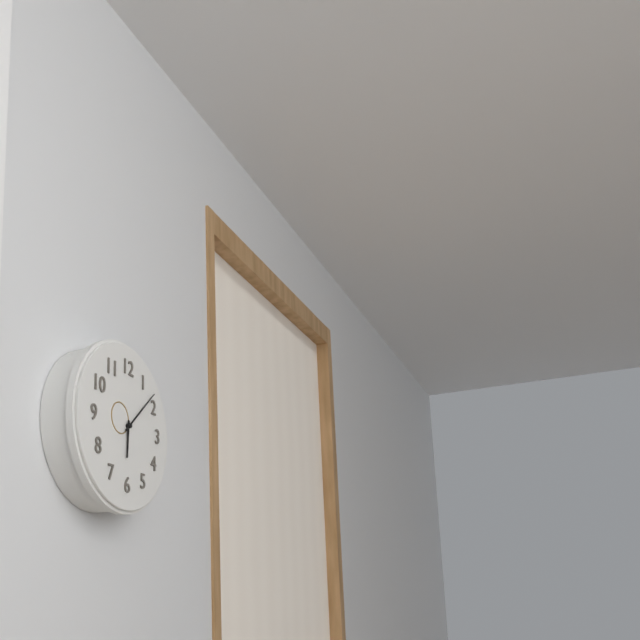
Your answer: **6:08**
